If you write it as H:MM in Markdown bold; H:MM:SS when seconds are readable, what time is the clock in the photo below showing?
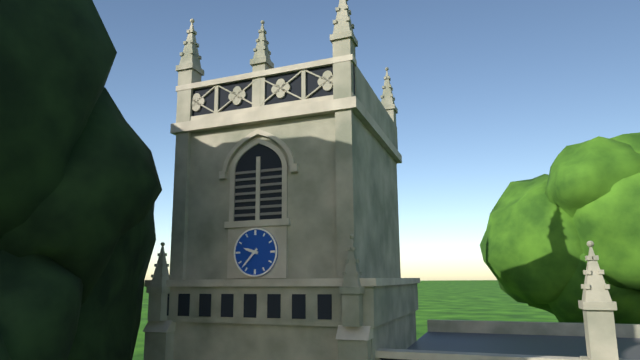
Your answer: **9:37**
